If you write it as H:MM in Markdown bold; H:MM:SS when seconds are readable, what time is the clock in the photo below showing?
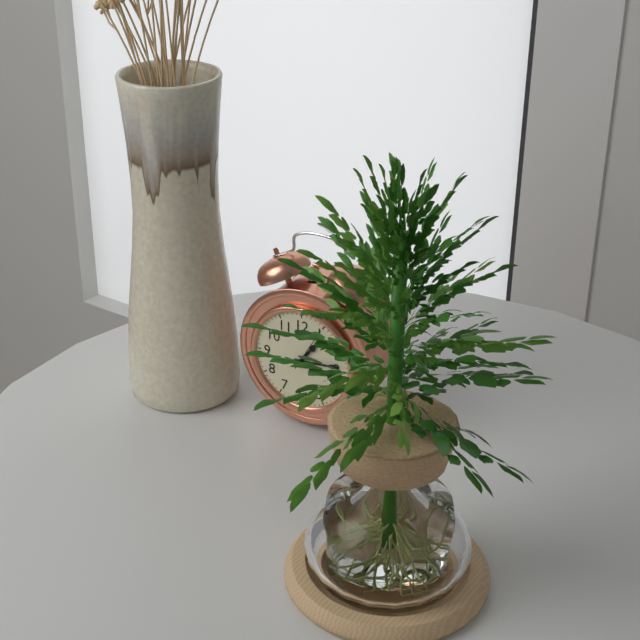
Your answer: **1:14**
